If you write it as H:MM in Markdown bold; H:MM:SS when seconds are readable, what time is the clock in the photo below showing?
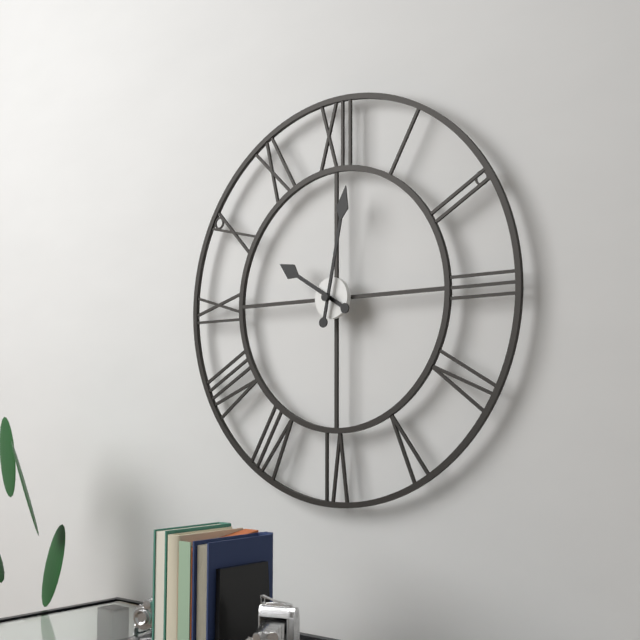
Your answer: **10:02**
